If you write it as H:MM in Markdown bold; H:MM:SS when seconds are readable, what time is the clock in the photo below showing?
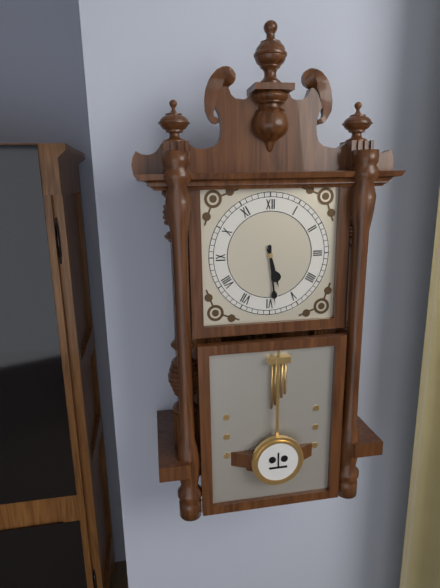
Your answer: **5:29**
